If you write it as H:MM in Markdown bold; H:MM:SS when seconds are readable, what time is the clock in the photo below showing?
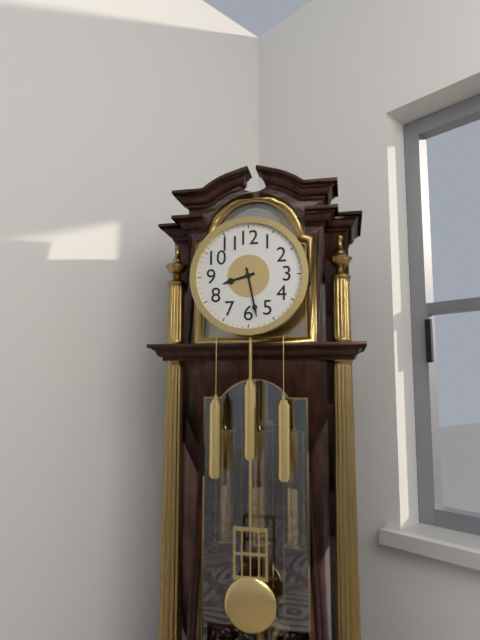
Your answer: **8:28**
